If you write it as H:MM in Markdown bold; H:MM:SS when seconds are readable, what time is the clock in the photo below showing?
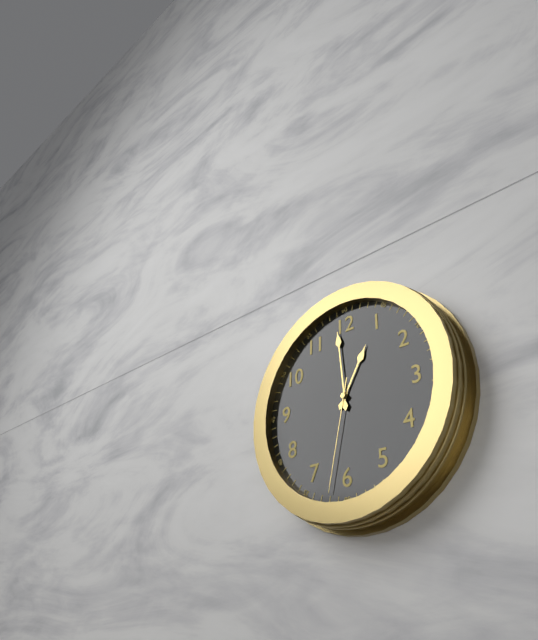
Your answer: **12:59:32**
